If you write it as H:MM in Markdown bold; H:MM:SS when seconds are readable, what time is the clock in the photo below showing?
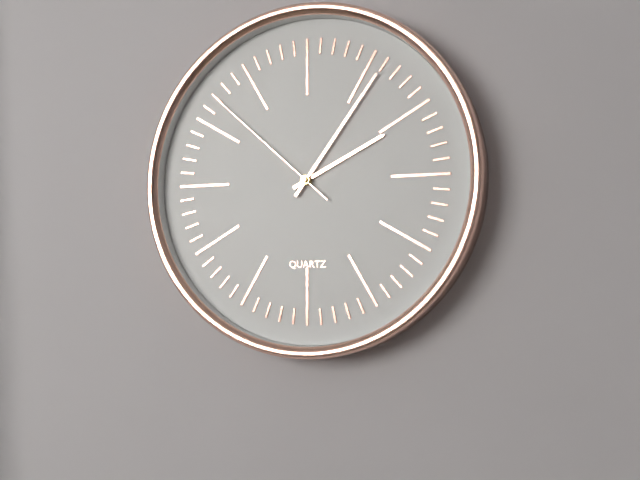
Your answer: **2:06:52**
